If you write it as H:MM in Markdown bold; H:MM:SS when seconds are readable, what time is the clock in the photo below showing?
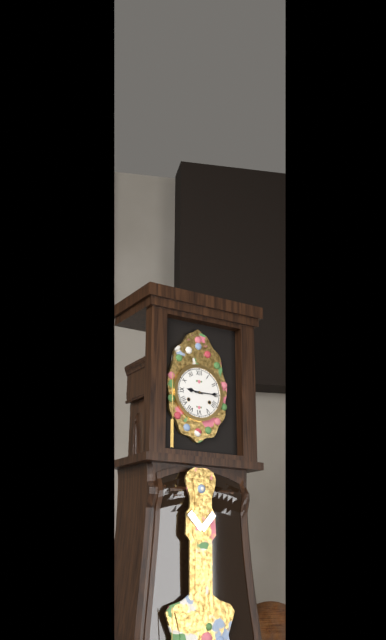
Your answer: **9:15**
